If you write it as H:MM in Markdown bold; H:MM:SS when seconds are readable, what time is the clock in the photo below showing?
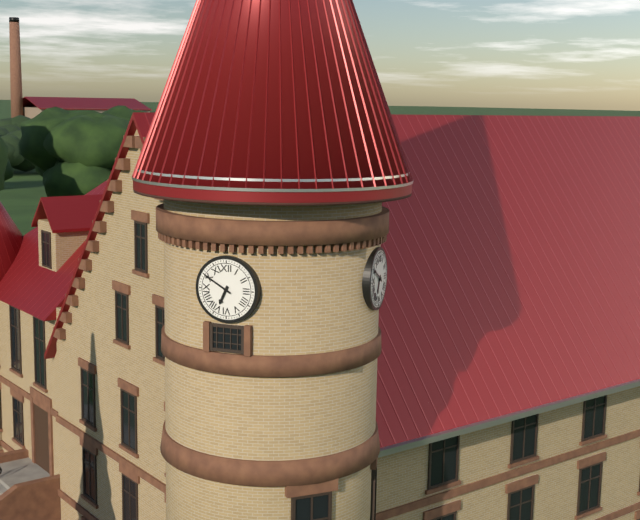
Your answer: **6:50**
